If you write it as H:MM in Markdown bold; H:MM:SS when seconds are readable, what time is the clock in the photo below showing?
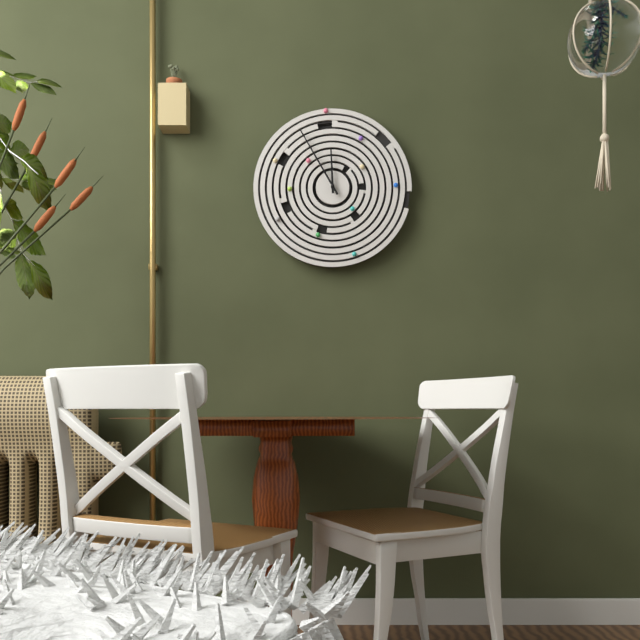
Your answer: **11:55**
